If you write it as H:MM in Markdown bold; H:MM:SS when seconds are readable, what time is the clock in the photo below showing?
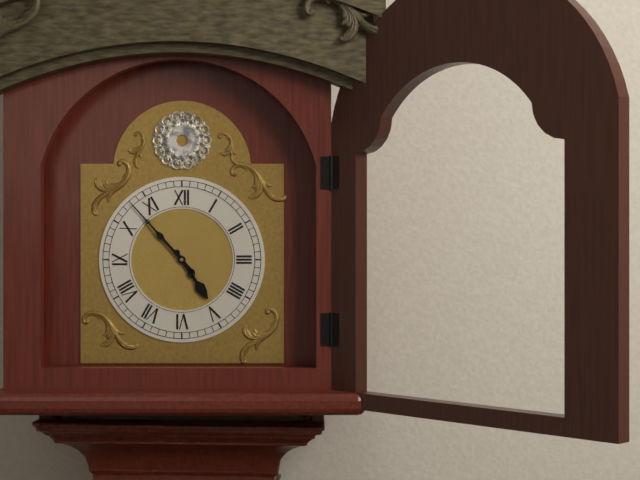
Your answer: **4:53**
